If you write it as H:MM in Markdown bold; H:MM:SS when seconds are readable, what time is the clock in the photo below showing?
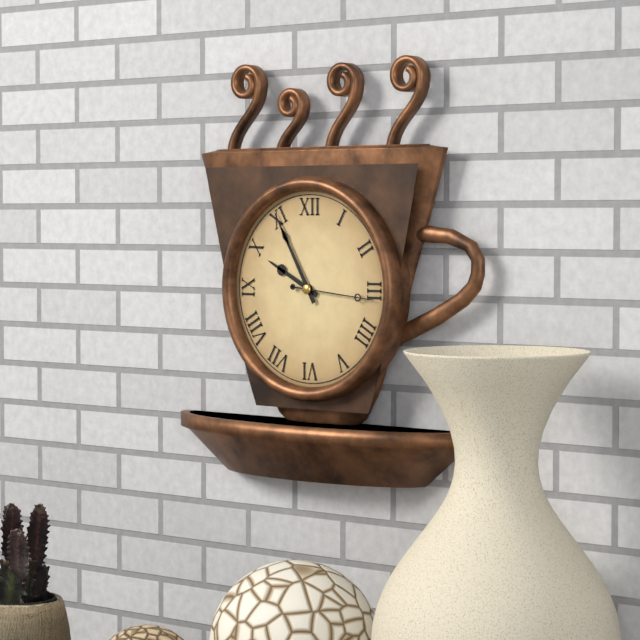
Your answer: **9:55:16**
